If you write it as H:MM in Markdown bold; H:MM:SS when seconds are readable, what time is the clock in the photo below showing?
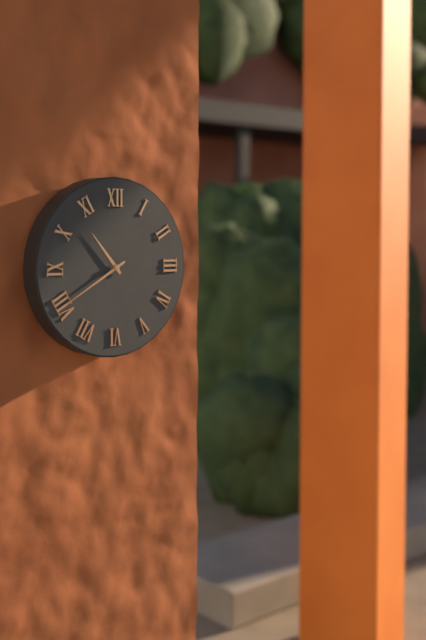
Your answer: **10:40**
